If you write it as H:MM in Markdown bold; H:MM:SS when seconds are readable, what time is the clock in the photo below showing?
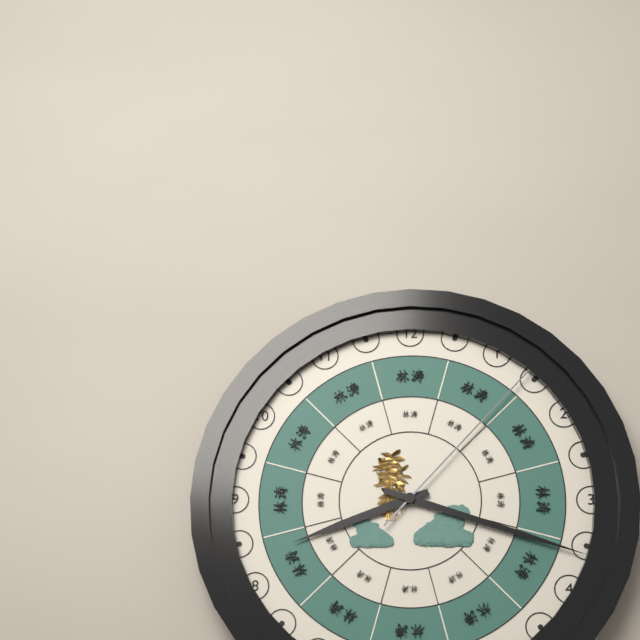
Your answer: **8:18:07**
